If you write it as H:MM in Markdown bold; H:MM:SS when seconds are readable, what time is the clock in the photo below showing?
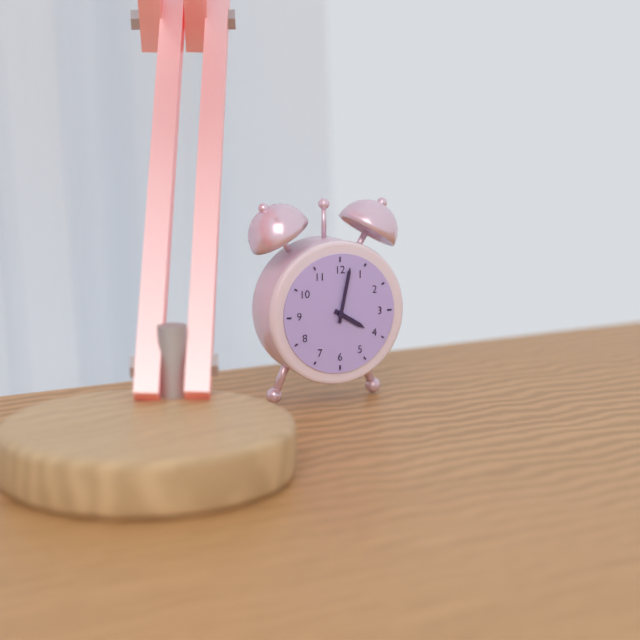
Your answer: **4:02**
